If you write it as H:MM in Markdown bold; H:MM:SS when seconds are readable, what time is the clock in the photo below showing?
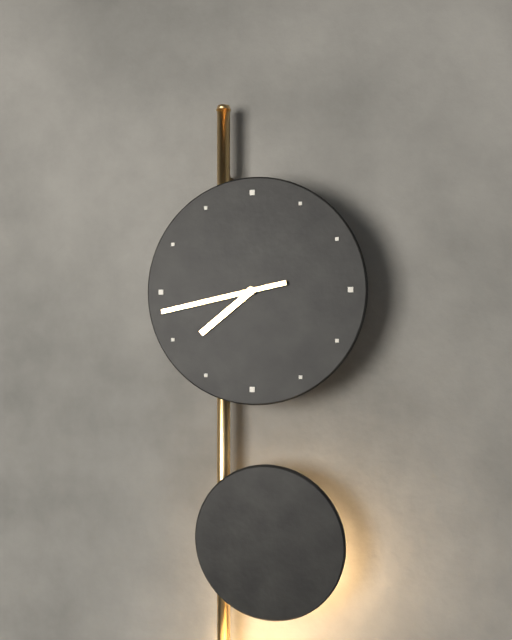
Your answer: **7:43**
